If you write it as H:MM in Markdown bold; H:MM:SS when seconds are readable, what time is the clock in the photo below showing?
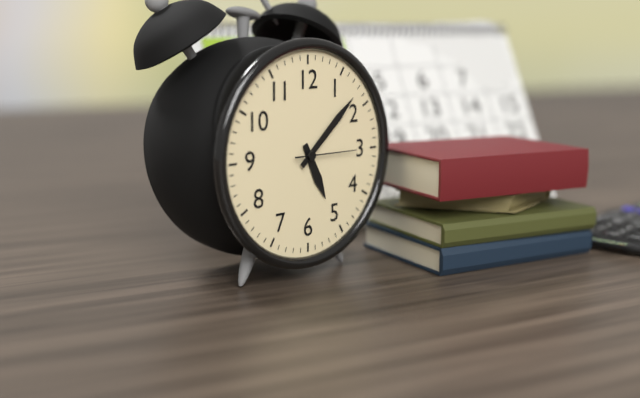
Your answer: **5:08:15**
